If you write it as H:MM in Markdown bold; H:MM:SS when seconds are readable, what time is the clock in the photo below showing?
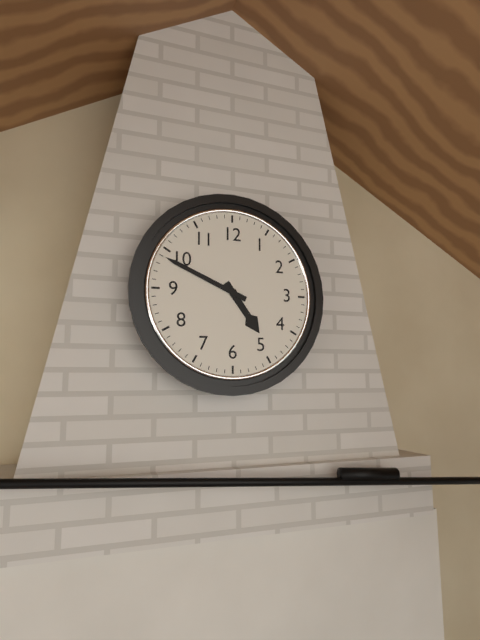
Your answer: **4:49**
